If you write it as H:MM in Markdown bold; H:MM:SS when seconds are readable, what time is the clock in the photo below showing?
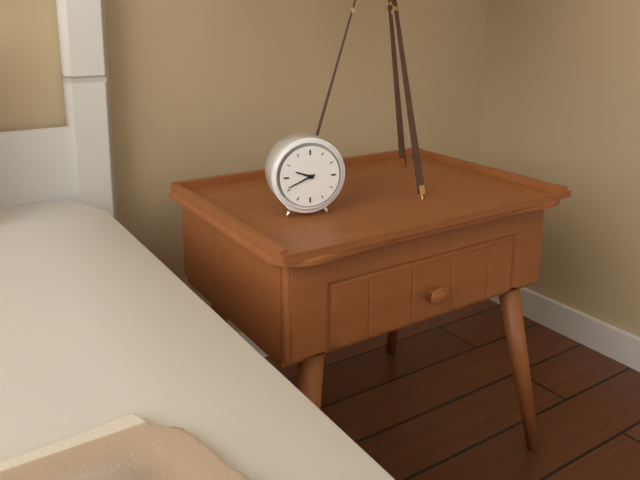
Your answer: **9:41**
